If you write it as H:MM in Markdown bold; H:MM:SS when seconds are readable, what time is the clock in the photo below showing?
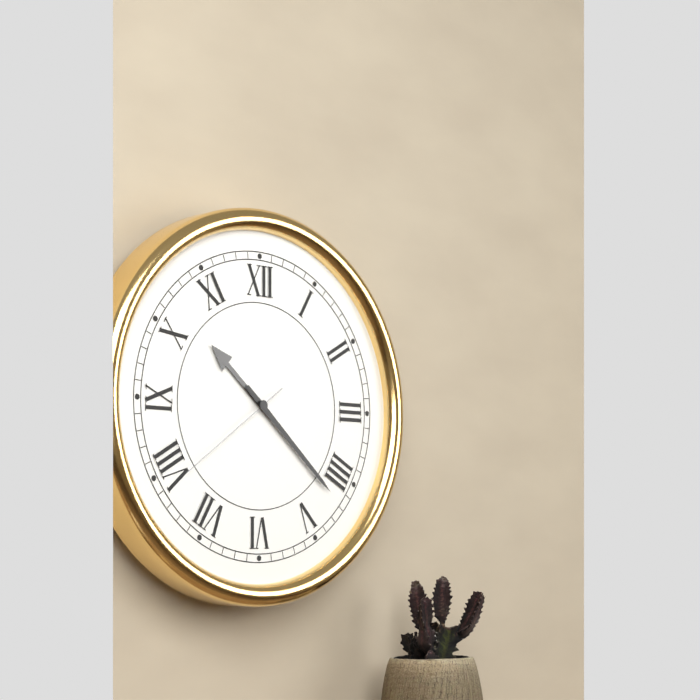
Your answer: **10:22:39**
